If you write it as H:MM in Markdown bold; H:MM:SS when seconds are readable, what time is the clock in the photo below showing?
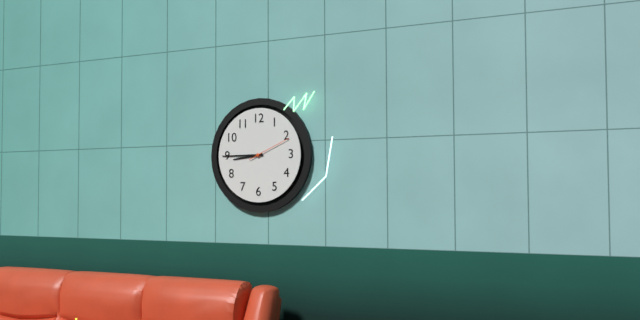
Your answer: **8:45**
